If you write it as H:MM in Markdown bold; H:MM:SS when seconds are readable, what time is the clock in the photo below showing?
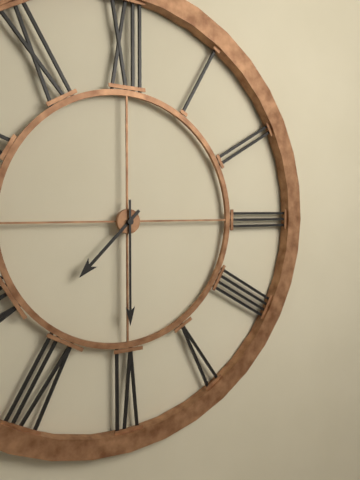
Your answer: **7:30**
